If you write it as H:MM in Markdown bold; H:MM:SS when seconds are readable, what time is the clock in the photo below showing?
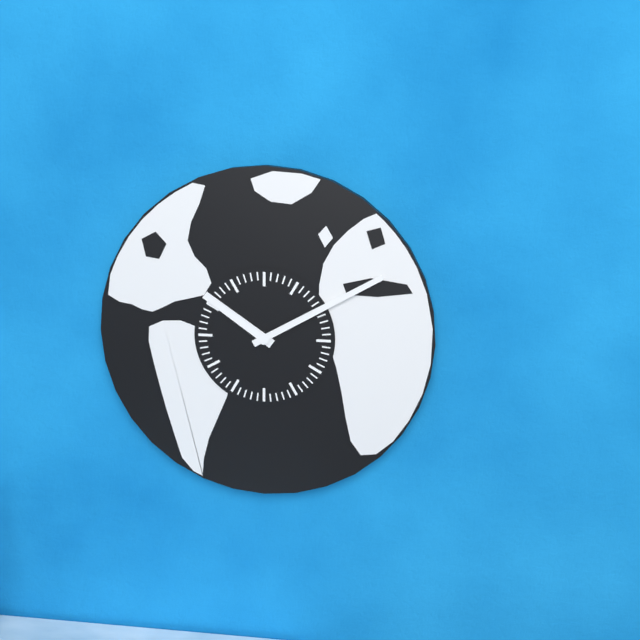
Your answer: **10:10**
